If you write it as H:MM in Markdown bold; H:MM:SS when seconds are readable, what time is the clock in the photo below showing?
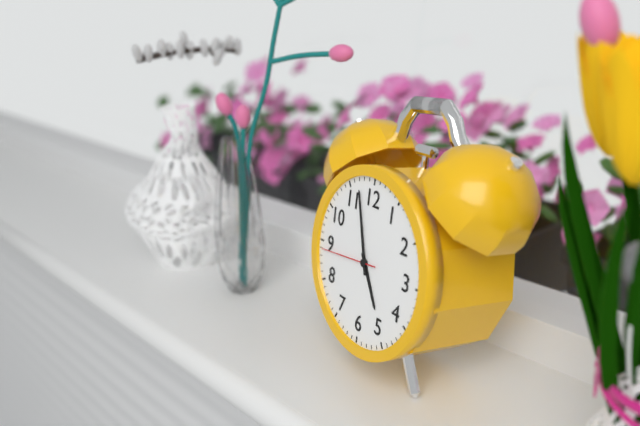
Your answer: **4:57:44**
